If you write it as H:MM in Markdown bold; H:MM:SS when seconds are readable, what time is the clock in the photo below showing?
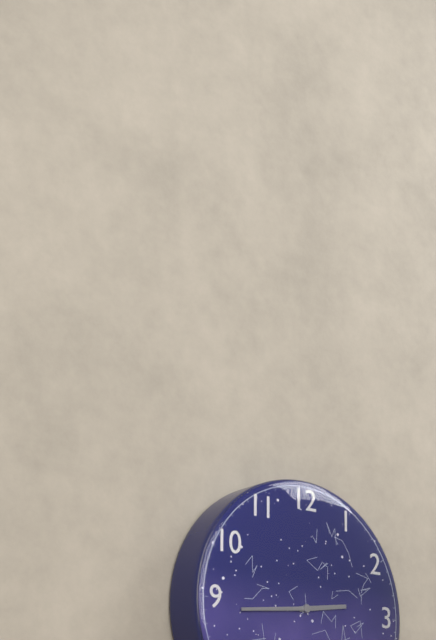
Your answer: **2:44**
